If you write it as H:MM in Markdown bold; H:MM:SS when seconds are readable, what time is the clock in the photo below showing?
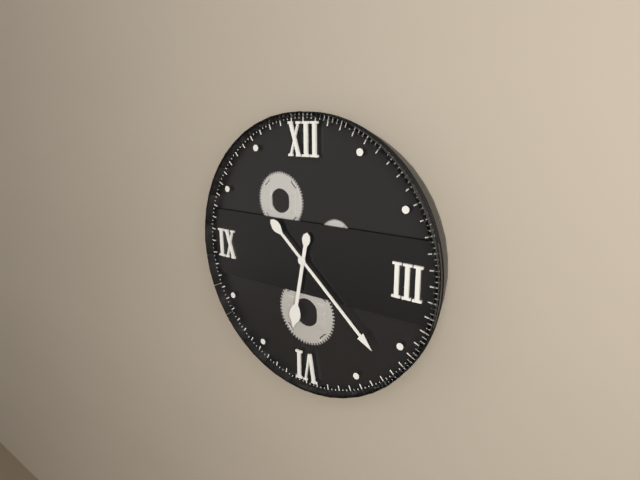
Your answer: **6:22**
